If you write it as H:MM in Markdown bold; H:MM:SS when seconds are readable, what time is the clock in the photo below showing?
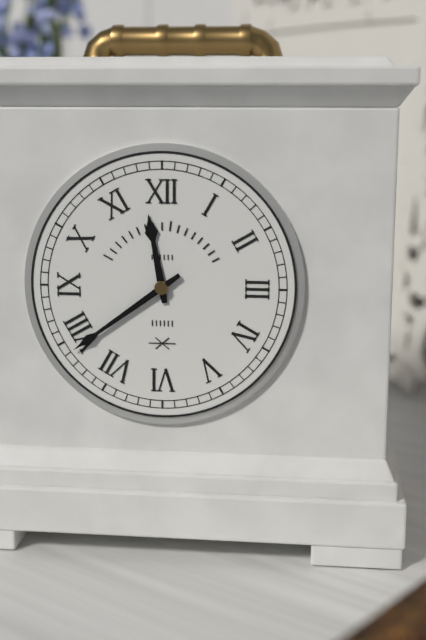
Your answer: **11:39**
